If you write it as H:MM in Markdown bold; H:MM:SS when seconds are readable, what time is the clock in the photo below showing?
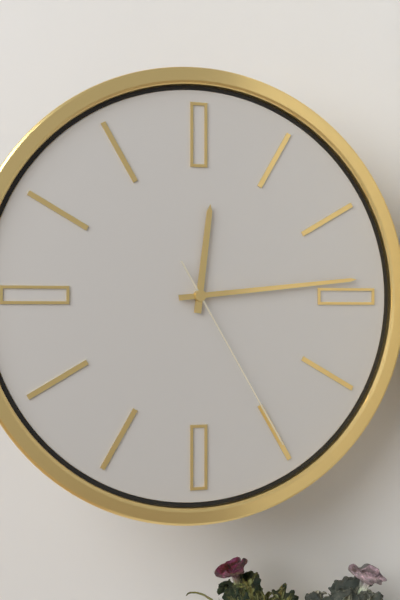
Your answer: **12:14:25**
